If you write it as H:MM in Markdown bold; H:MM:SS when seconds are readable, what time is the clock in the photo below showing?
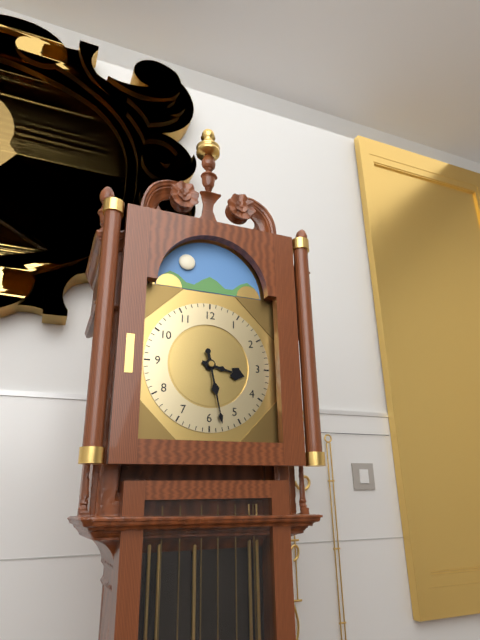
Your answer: **3:28**
